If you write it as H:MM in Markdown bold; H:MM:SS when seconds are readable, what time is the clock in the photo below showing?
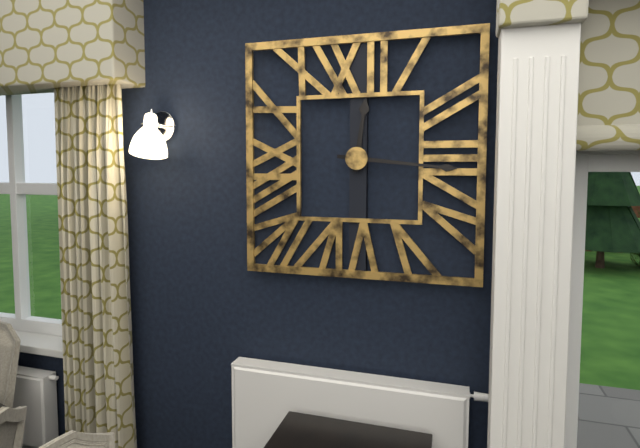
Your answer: **12:16**
